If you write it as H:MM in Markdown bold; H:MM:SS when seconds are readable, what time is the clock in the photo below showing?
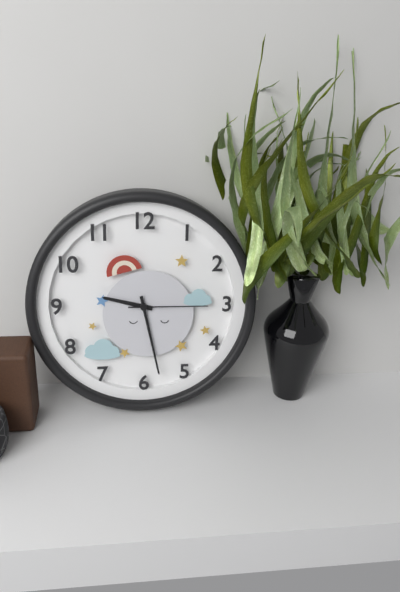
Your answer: **9:28:15**
